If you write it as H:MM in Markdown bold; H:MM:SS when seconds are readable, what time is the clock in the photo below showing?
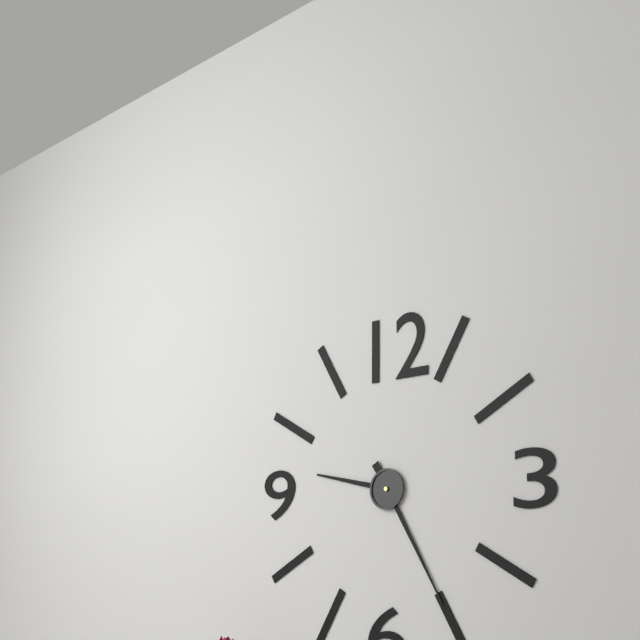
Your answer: **9:25**
